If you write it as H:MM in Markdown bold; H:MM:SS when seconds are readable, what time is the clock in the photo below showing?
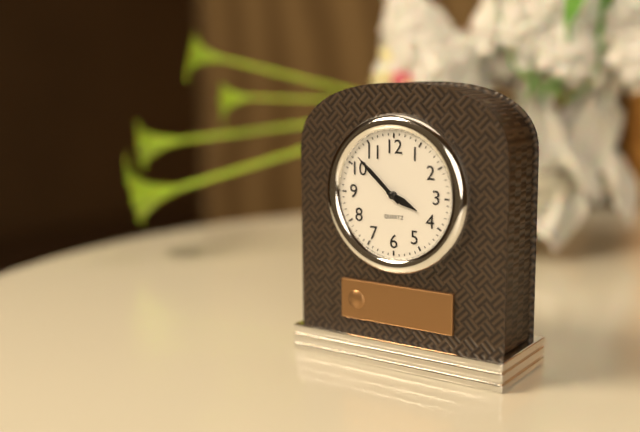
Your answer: **3:52**
